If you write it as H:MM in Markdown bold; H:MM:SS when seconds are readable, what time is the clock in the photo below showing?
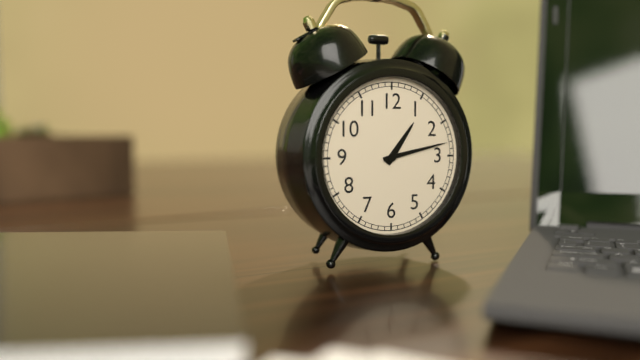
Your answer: **1:13**
